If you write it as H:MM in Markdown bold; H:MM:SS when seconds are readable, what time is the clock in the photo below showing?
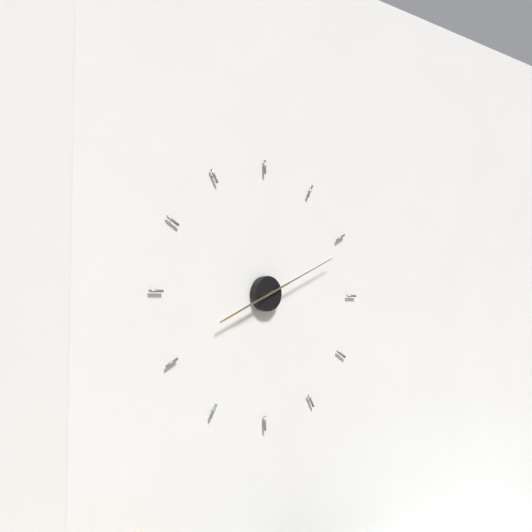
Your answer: **8:11**
